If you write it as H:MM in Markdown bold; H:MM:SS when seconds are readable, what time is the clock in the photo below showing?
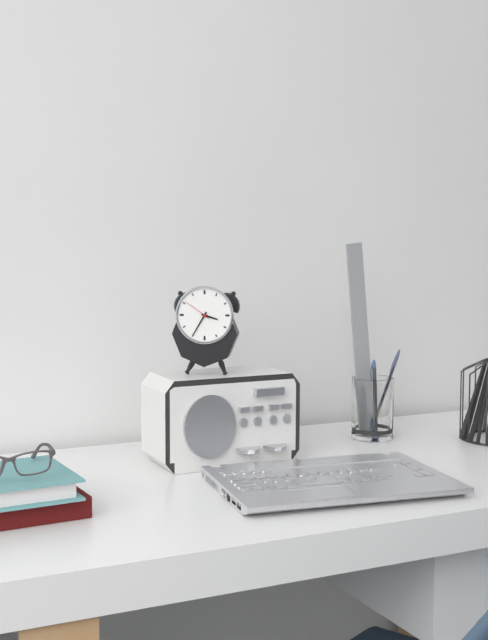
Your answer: **3:35**
